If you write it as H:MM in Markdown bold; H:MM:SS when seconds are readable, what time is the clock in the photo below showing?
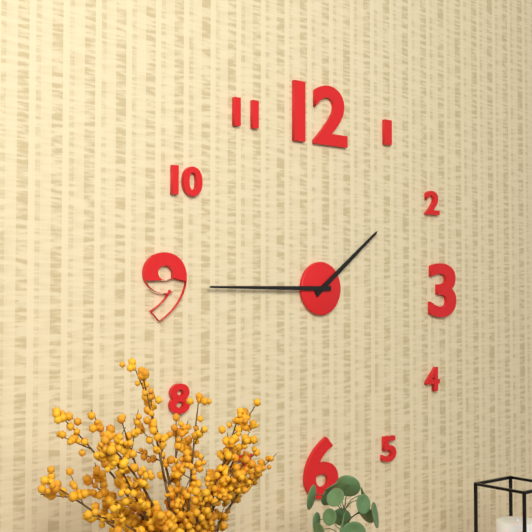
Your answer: **1:45**
